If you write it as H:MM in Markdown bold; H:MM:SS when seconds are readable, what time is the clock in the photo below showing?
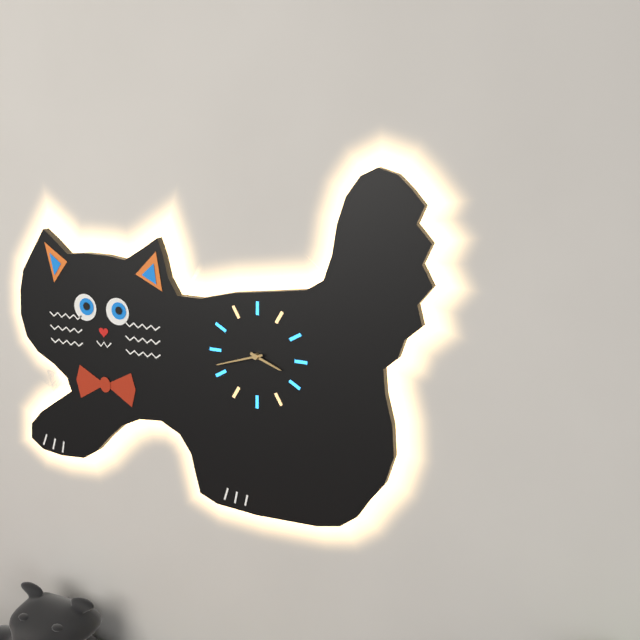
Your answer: **3:42**
